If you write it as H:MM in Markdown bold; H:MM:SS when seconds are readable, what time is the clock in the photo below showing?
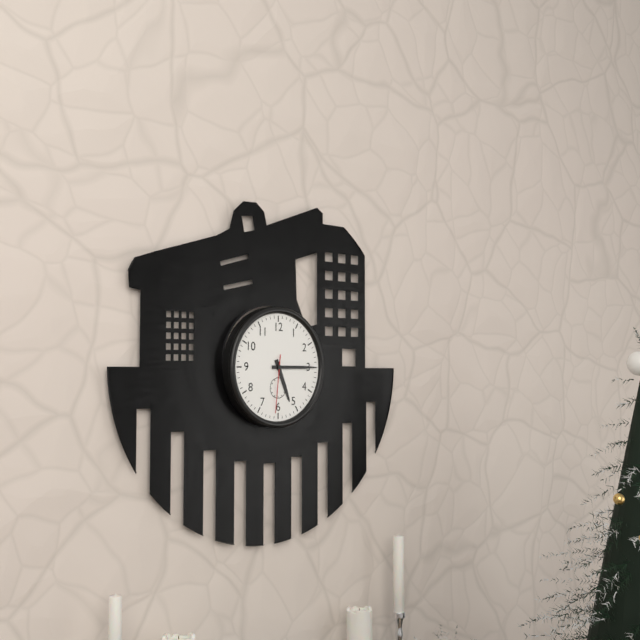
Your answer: **5:15:31**
